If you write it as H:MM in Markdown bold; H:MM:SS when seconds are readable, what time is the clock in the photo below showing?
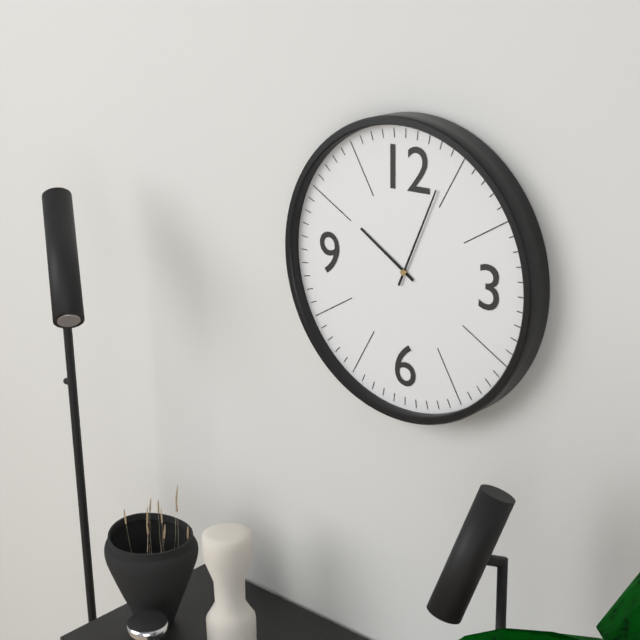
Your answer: **10:04**
